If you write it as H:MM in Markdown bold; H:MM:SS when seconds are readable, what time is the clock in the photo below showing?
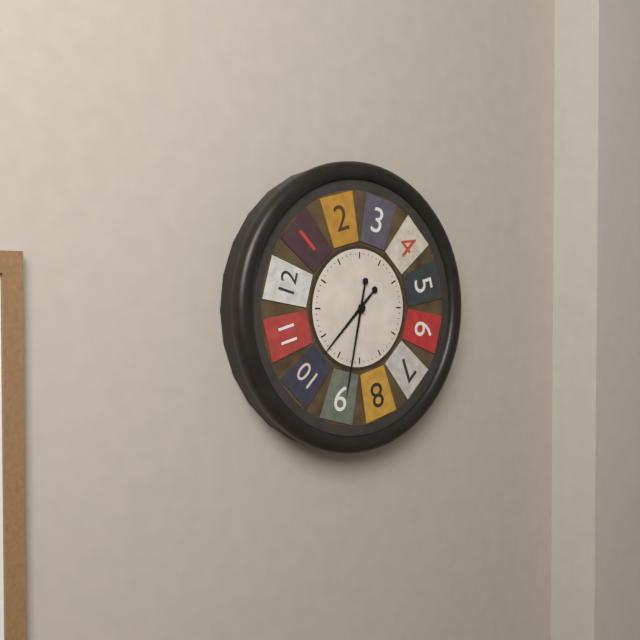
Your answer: **7:32**
